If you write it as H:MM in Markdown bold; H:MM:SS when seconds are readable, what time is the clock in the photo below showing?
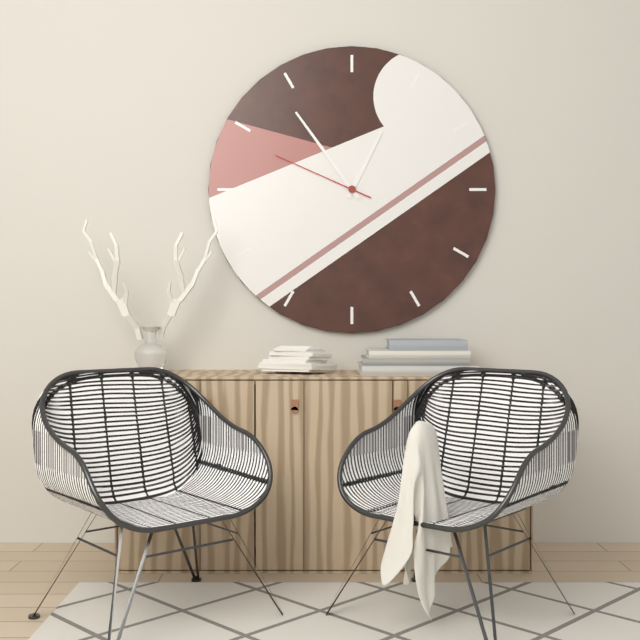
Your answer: **12:54:49**
